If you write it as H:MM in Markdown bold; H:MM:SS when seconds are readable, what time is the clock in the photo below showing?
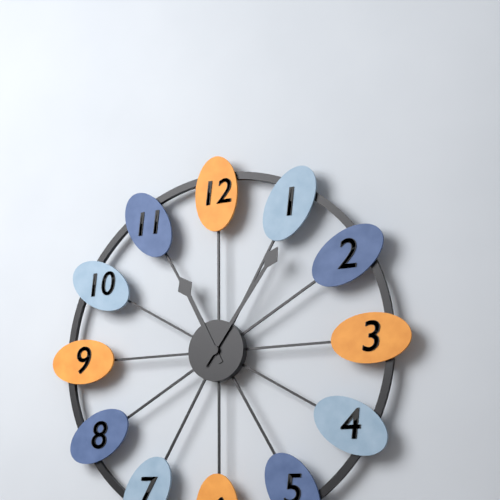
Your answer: **11:06**
